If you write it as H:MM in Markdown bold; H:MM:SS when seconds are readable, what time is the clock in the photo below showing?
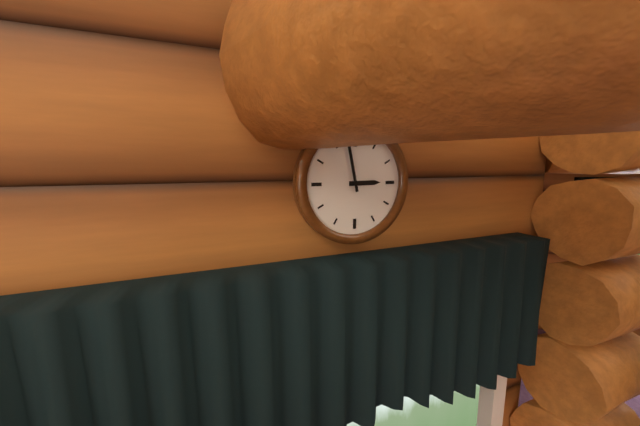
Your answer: **2:58**
